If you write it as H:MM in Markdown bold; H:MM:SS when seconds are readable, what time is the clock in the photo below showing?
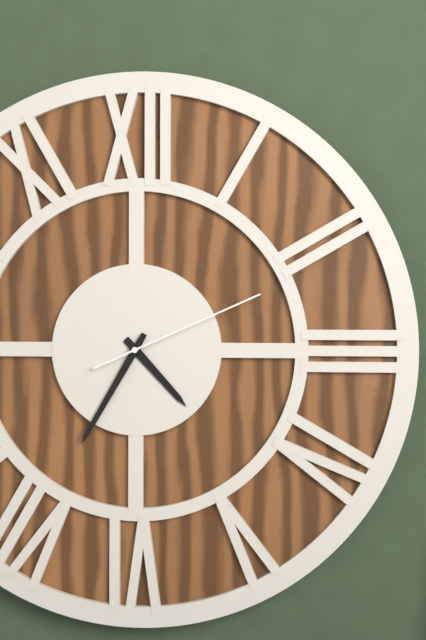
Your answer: **4:35:11**
